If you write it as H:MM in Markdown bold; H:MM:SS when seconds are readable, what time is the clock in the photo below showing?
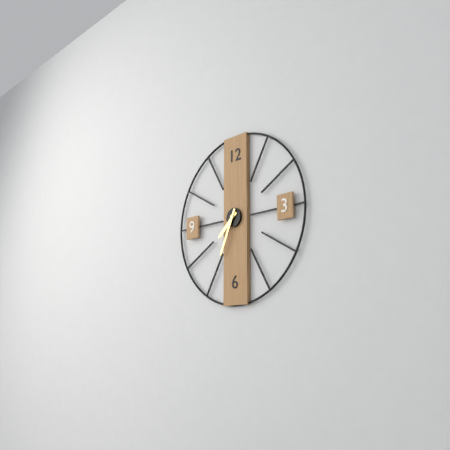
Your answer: **7:34**
